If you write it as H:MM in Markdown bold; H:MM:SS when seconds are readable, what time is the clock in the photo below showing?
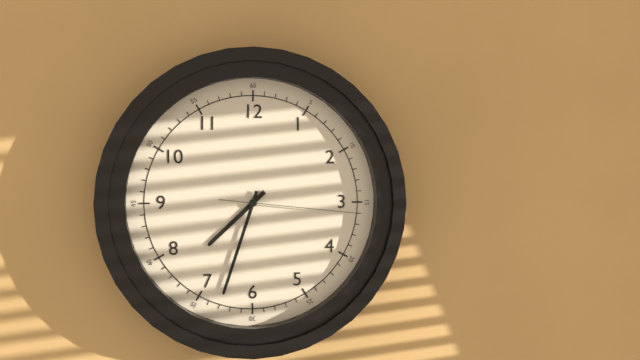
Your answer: **7:33:16**
